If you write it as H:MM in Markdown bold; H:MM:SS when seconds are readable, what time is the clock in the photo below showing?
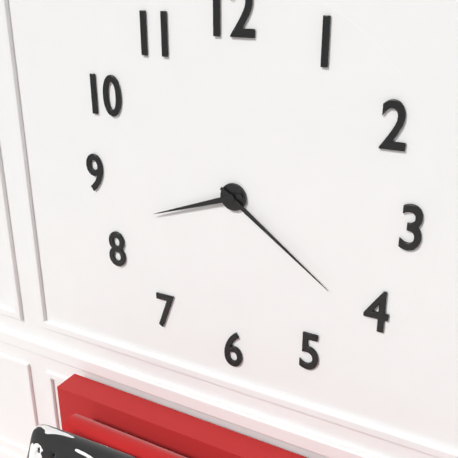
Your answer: **8:21**
